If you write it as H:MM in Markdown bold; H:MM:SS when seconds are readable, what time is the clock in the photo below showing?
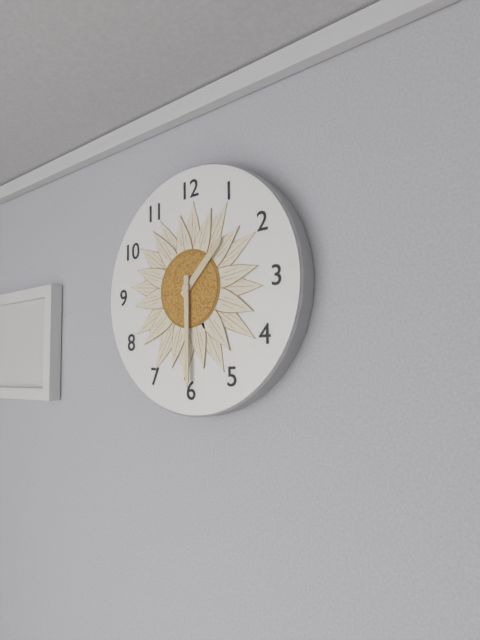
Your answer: **1:30**
